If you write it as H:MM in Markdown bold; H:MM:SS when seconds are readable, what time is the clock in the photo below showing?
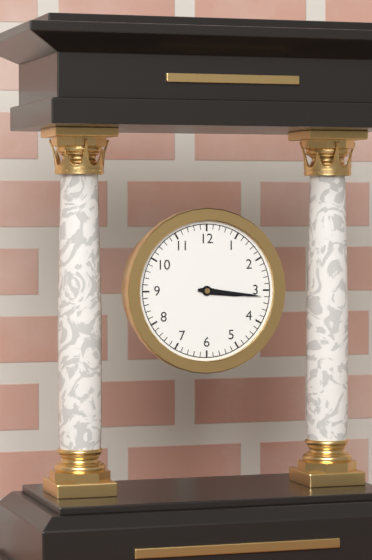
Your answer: **3:16**
